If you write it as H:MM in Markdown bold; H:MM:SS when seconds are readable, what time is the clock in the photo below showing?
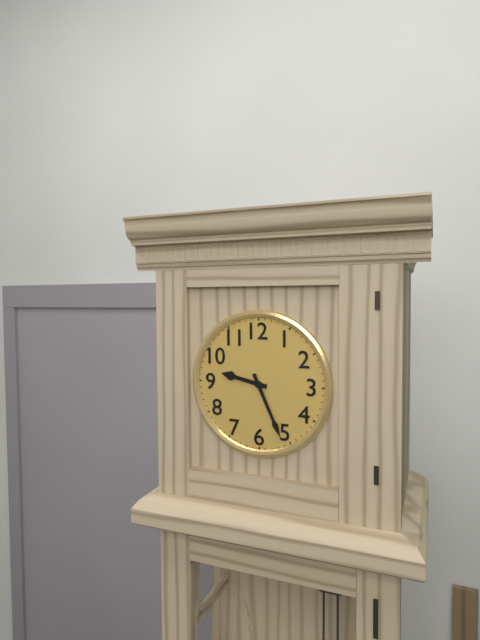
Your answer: **9:26**
